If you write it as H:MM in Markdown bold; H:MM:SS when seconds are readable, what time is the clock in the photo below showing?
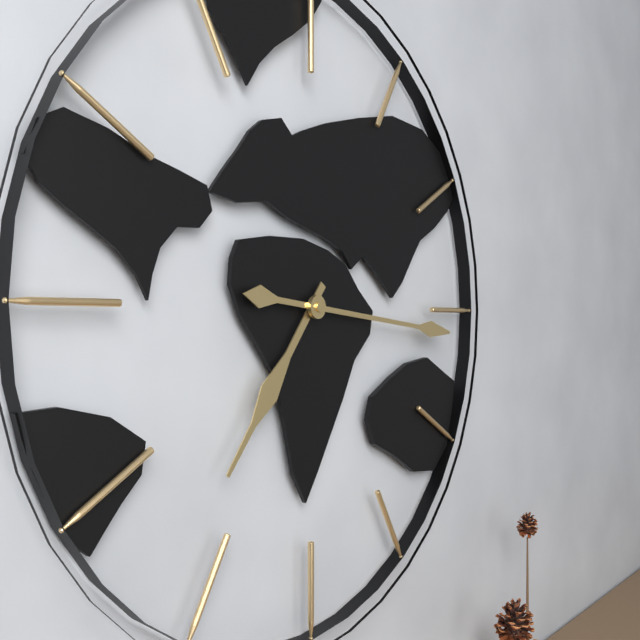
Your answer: **7:16**
